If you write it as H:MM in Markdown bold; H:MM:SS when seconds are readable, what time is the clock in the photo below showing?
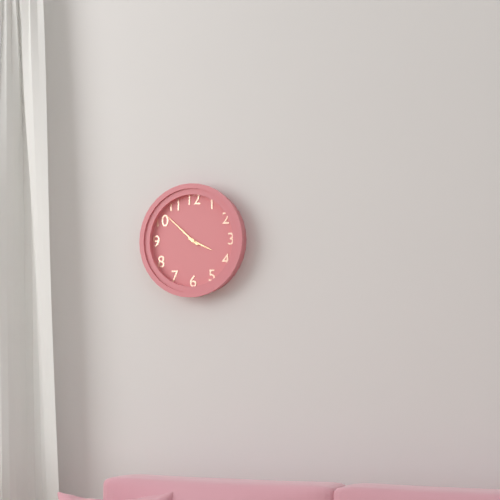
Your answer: **3:52**
